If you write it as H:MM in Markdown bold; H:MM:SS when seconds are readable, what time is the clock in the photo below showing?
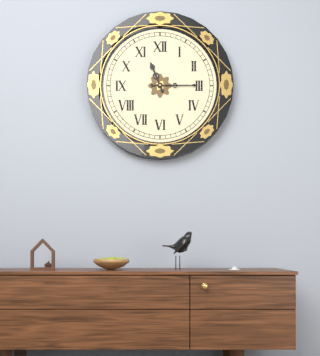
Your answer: **11:15**
